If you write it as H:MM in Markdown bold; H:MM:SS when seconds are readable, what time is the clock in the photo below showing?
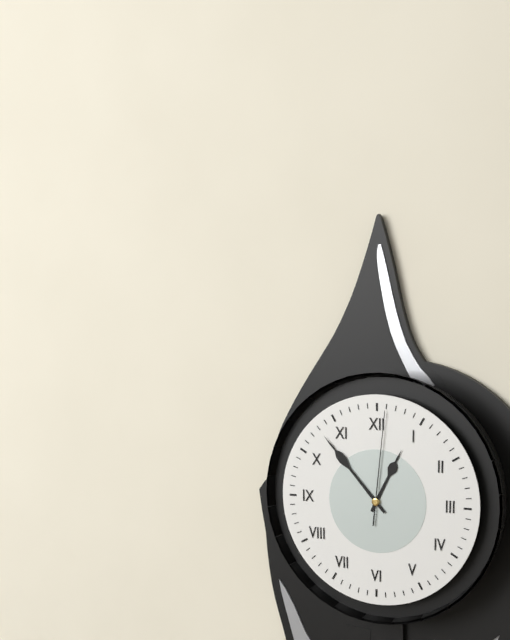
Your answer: **12:53:01**
